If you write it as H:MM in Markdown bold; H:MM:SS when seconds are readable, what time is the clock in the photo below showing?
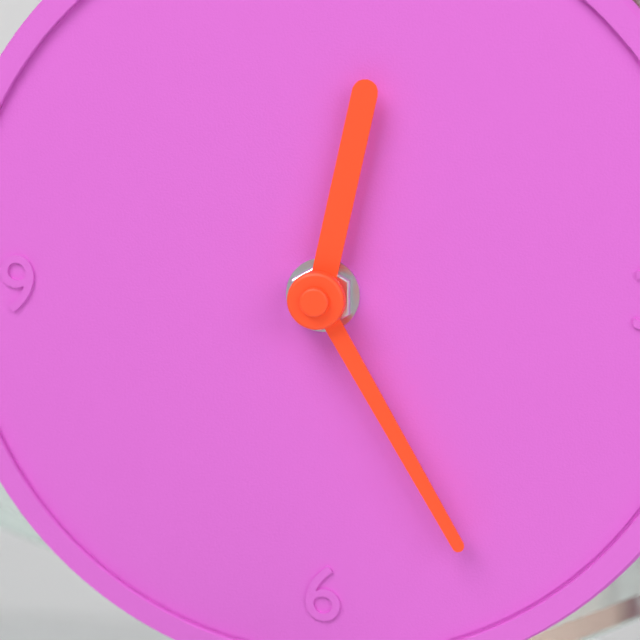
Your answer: **12:25**
